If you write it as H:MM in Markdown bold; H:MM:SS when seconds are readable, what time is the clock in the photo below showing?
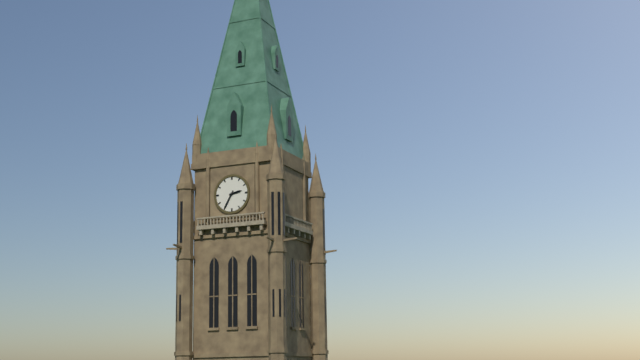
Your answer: **2:35**
